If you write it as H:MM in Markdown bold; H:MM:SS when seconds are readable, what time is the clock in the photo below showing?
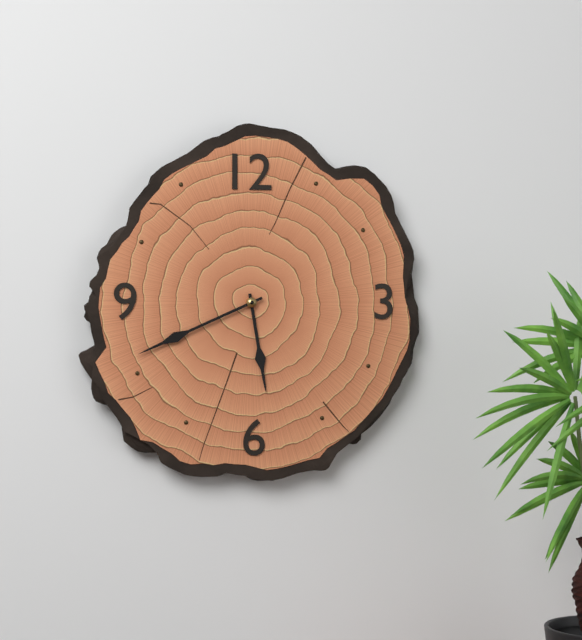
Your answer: **5:41**
